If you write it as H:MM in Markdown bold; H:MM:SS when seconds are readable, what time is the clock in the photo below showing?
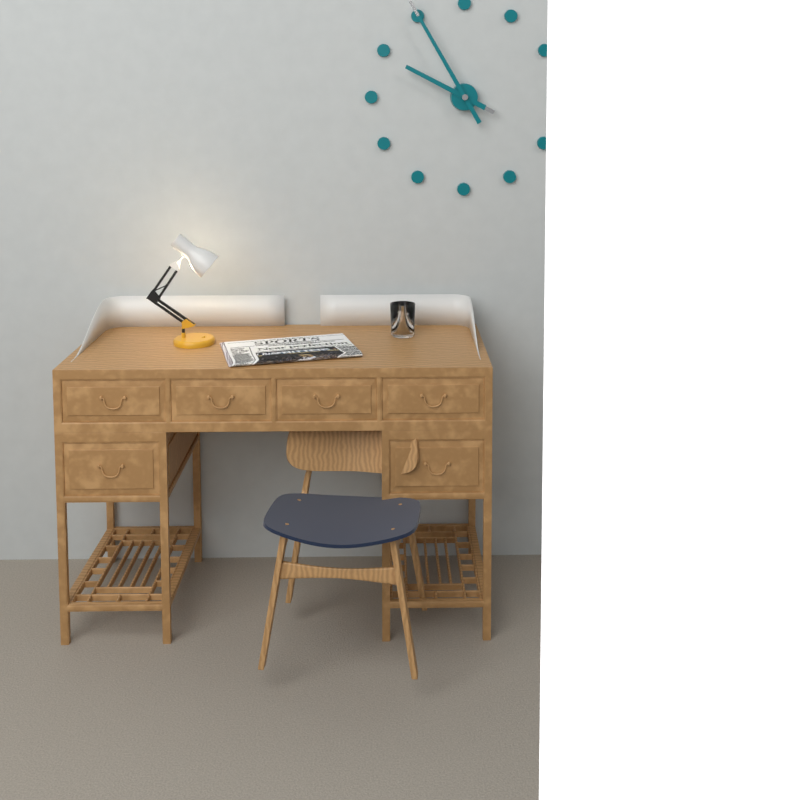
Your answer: **9:55**
